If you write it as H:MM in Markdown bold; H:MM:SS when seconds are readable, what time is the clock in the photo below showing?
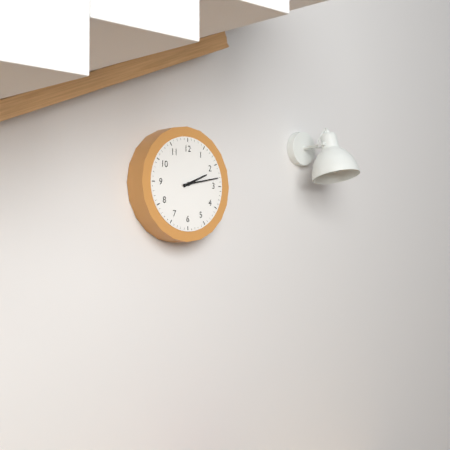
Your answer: **2:13**
